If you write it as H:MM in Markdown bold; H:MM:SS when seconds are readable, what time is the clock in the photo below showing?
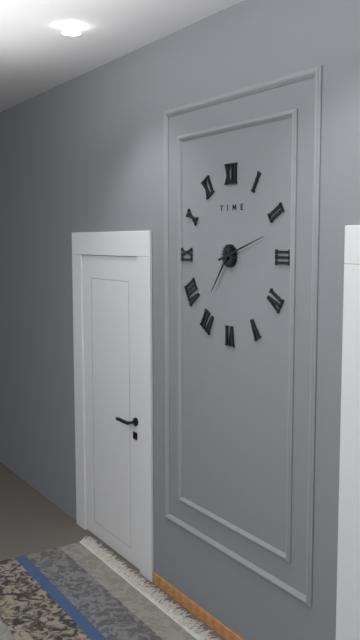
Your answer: **7:12**
